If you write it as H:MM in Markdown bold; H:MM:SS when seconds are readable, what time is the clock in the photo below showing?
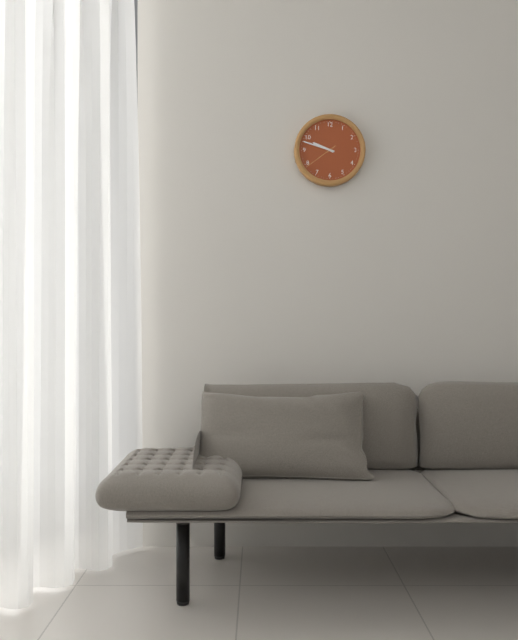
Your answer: **9:48**
